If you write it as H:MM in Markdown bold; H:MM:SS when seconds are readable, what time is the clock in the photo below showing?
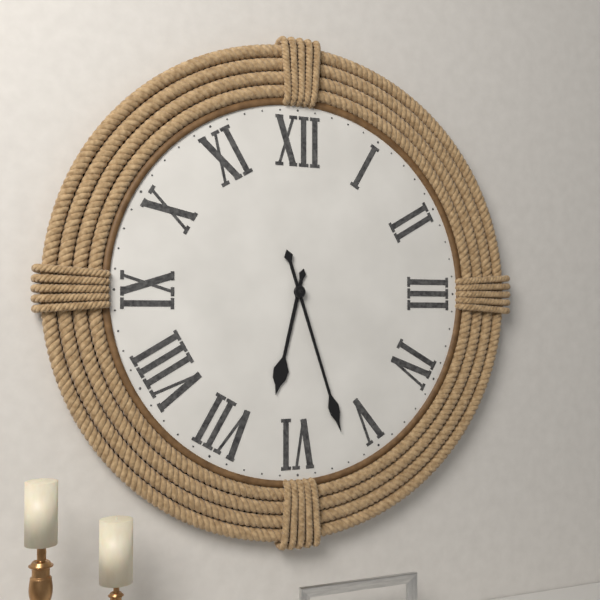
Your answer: **6:27**
